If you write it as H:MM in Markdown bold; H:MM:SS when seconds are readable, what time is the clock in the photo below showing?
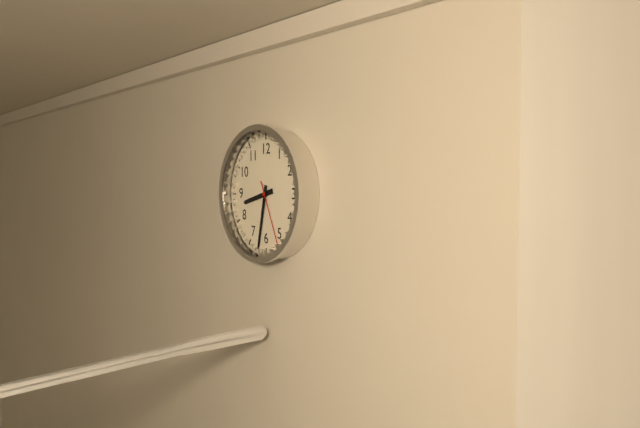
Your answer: **8:32:26**
